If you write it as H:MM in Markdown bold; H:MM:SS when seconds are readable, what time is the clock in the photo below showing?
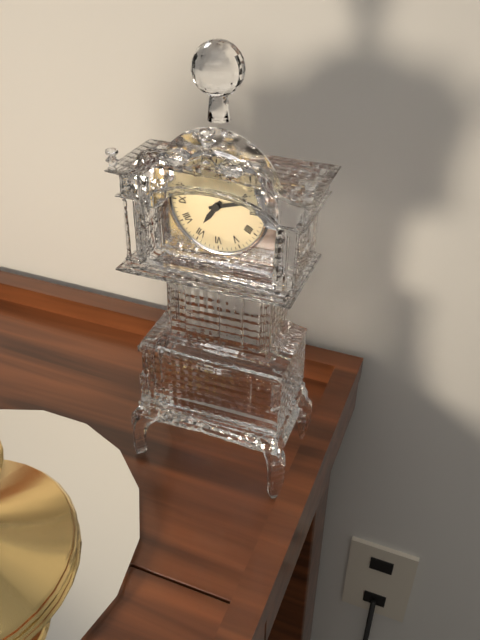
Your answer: **7:12**
